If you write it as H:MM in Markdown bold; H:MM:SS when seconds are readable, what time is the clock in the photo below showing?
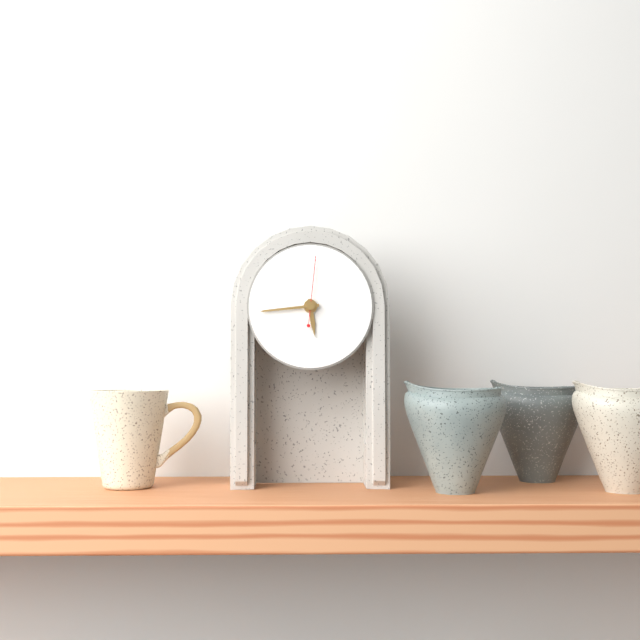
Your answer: **5:44:01**
